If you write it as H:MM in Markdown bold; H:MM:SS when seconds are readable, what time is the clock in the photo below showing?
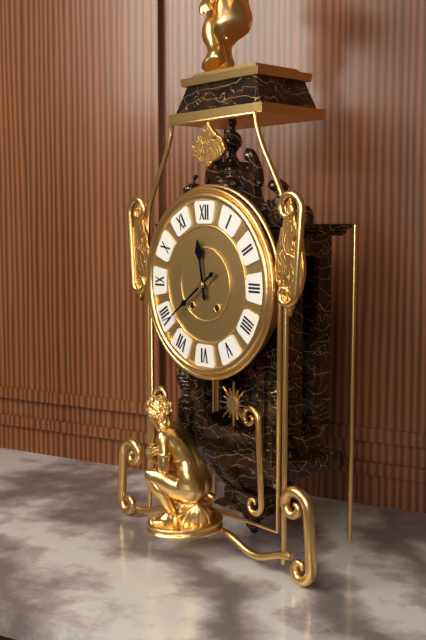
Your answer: **11:39**
